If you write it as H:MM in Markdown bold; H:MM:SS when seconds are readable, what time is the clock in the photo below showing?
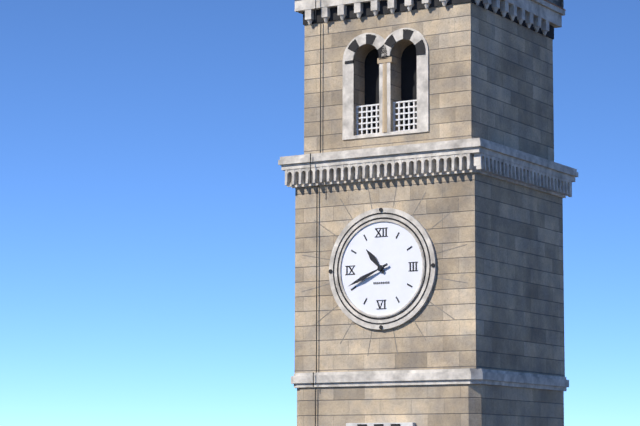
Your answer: **10:41**
